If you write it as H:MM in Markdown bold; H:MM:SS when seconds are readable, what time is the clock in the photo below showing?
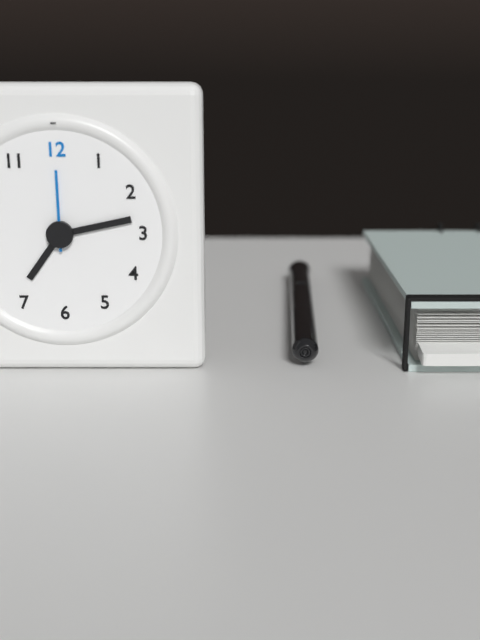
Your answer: **7:13:00**
